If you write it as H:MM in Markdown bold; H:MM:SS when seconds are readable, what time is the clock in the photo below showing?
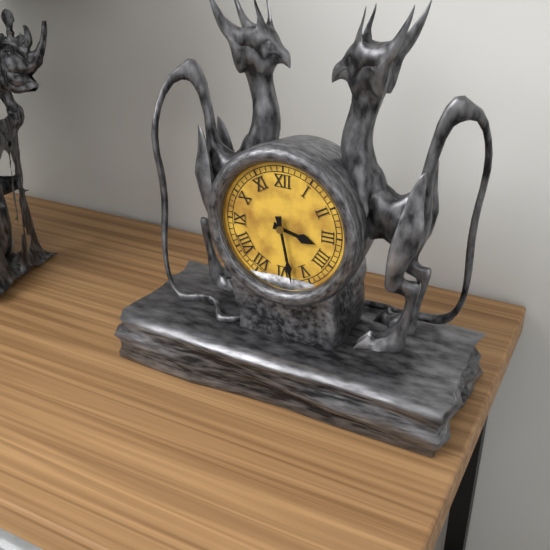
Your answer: **3:28**
